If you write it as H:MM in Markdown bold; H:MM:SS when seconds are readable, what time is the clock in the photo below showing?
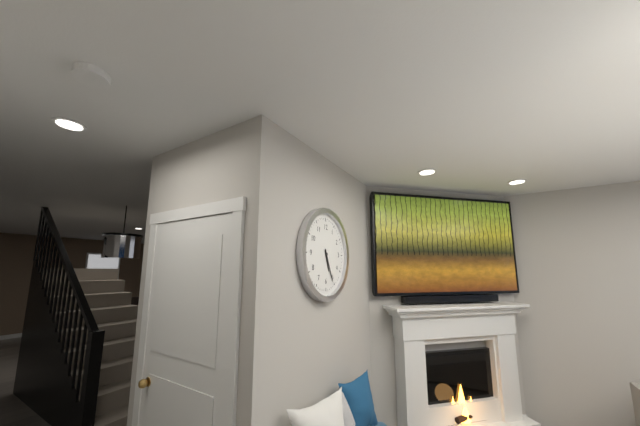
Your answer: **5:26**
